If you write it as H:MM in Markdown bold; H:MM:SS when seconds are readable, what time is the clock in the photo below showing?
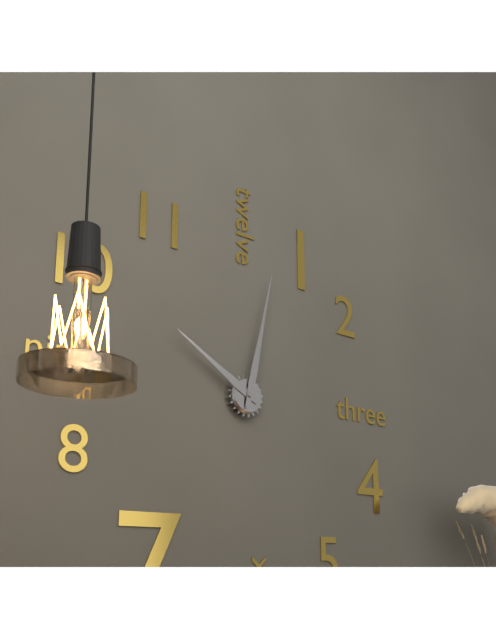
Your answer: **10:02**
